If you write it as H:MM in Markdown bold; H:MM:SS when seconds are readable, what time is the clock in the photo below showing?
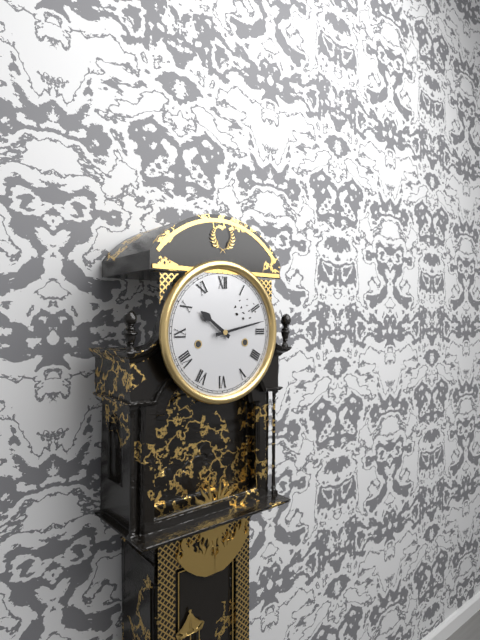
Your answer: **10:13**
